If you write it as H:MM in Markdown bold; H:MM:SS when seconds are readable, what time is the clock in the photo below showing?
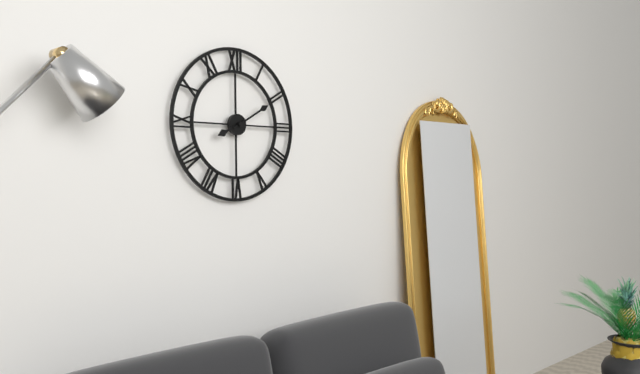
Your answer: **8:10**
